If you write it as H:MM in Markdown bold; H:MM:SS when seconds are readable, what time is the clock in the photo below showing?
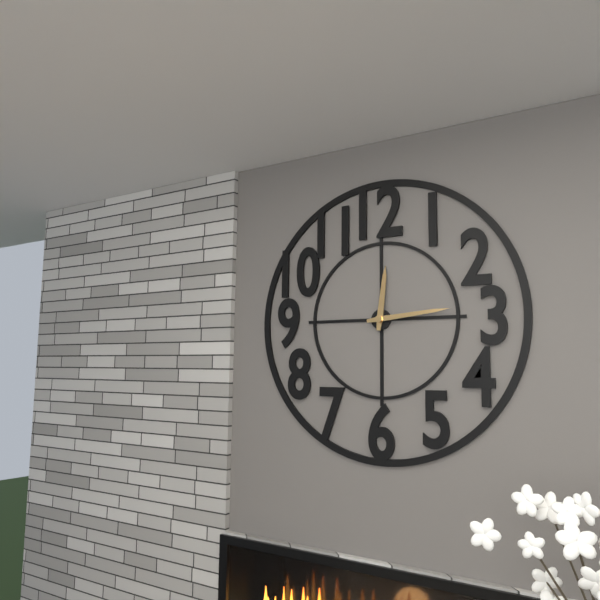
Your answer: **12:14**
